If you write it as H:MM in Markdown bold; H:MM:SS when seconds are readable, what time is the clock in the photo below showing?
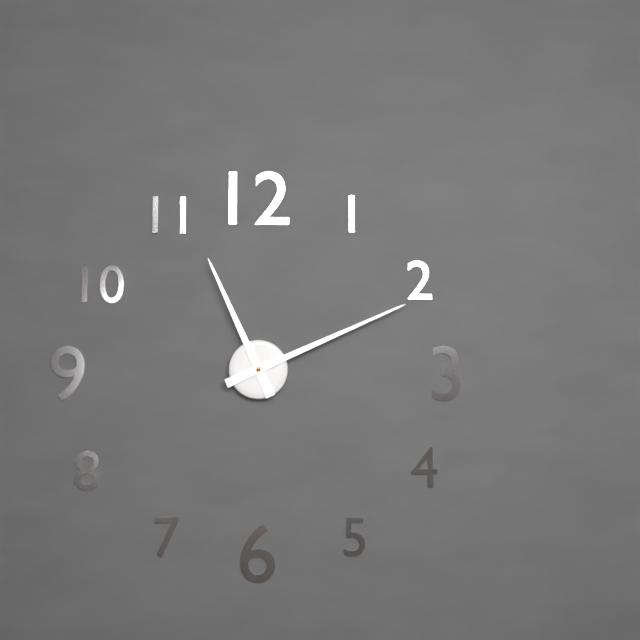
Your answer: **11:11**
